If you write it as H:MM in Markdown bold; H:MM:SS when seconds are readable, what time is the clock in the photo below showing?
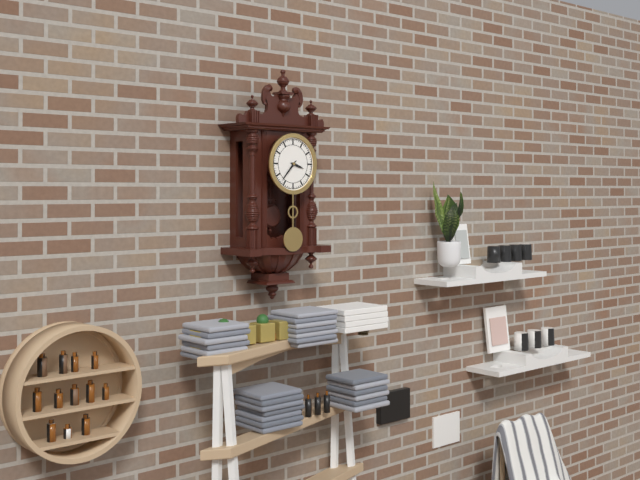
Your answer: **3:37**
